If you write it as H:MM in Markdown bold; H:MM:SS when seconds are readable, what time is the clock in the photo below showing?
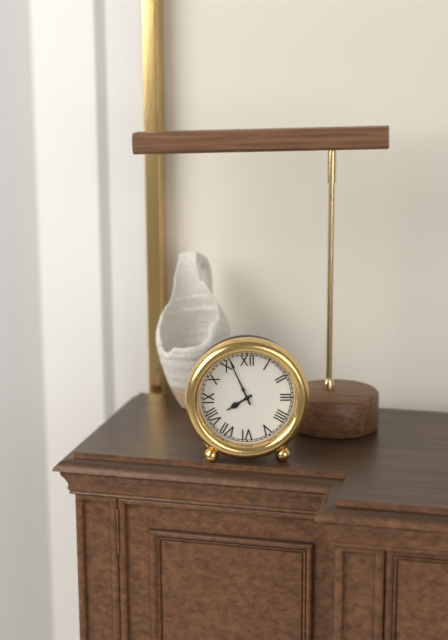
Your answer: **7:56**
